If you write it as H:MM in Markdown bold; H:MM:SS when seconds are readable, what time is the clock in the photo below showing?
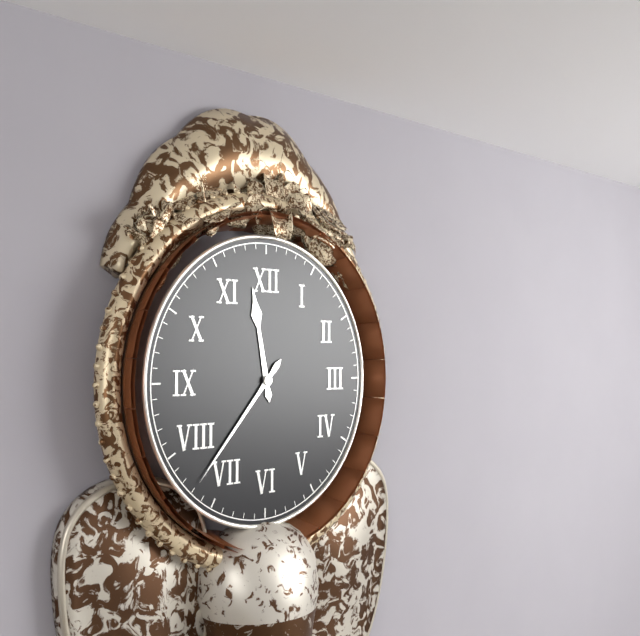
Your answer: **11:37**
